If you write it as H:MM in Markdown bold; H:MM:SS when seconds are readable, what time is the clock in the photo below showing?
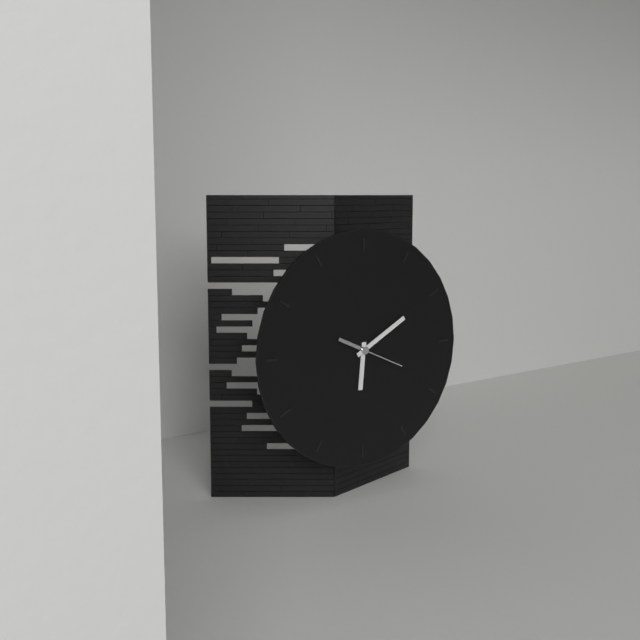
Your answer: **6:10:19**
